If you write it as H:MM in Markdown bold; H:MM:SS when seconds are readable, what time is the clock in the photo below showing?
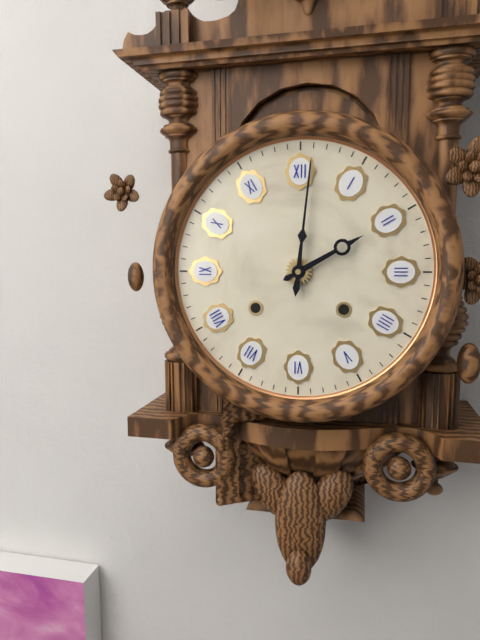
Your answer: **2:01**
